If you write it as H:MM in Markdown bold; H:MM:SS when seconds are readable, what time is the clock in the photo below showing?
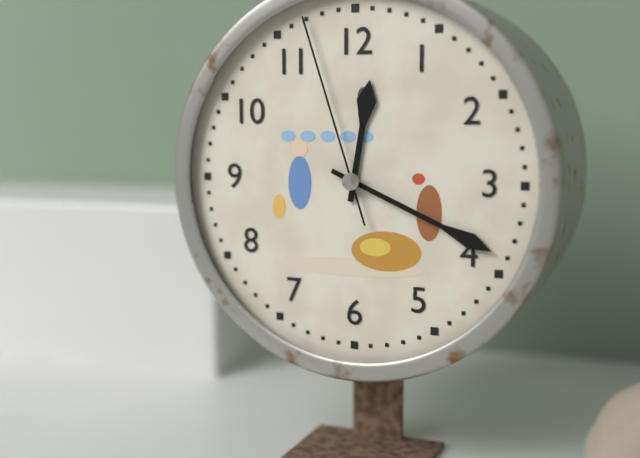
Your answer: **12:19:57**
